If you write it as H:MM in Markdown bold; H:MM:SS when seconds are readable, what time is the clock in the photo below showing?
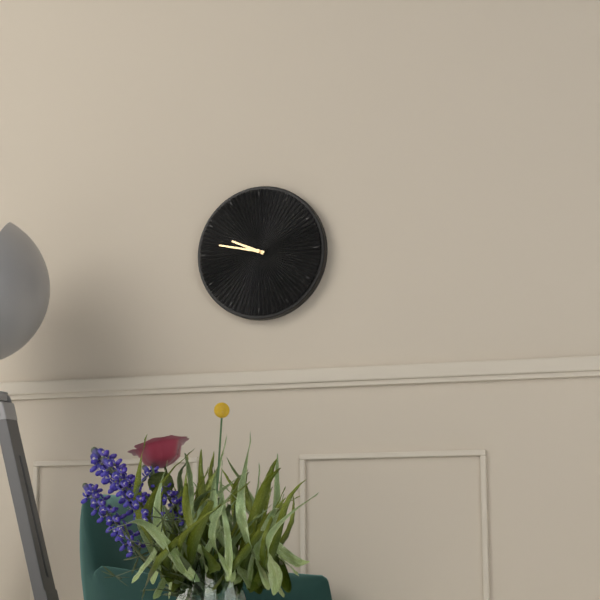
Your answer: **9:47**
